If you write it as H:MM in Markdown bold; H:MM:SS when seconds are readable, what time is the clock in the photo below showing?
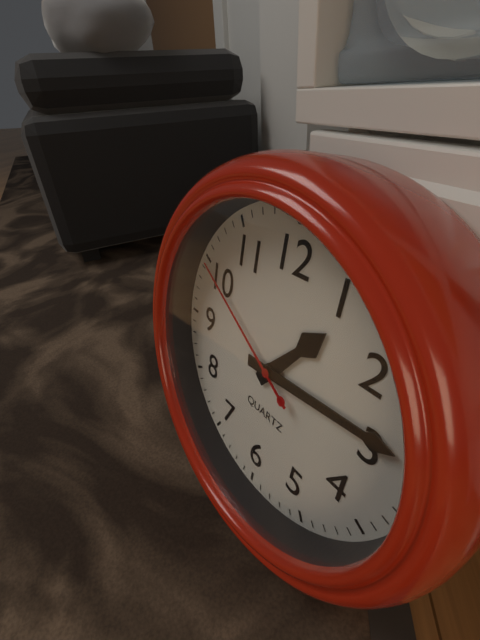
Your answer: **1:14:50**
